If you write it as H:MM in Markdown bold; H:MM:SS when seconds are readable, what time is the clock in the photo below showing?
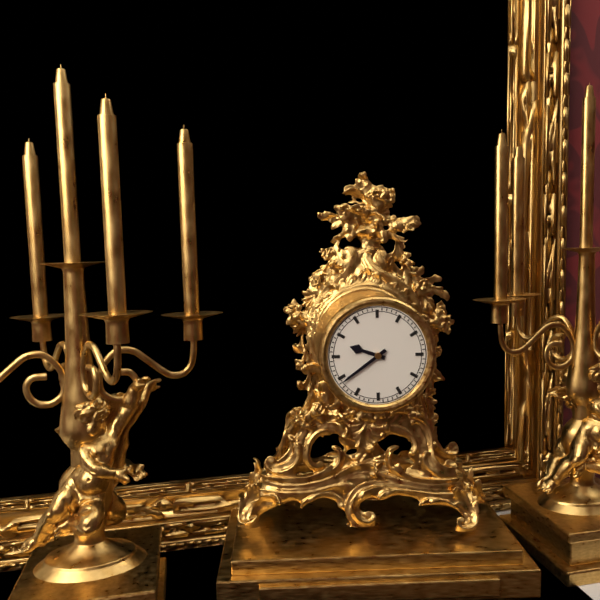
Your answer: **9:39**
